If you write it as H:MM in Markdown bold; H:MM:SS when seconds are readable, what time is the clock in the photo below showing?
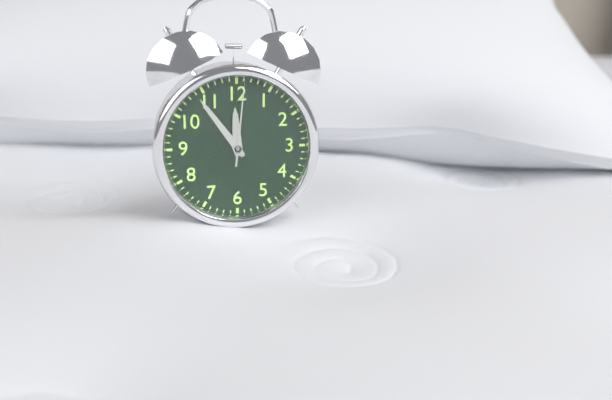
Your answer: **11:54:01**
